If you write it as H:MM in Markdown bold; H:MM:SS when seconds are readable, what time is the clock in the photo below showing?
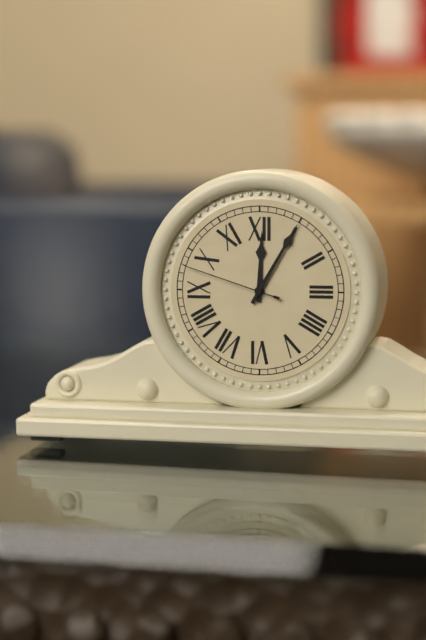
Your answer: **12:05:48**
